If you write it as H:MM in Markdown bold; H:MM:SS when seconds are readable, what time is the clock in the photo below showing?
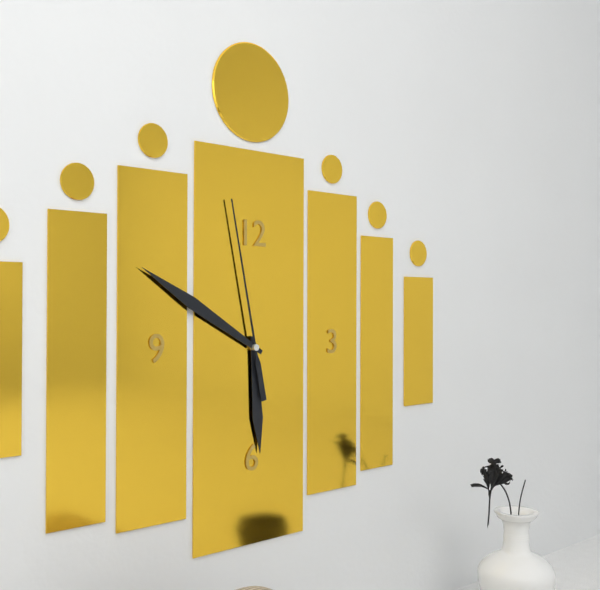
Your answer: **5:50:58**
